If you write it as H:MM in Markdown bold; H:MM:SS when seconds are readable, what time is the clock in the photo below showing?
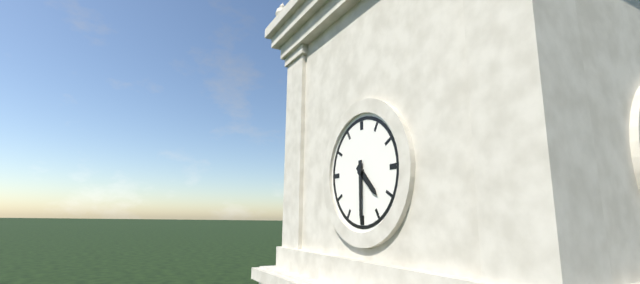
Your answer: **4:30**
